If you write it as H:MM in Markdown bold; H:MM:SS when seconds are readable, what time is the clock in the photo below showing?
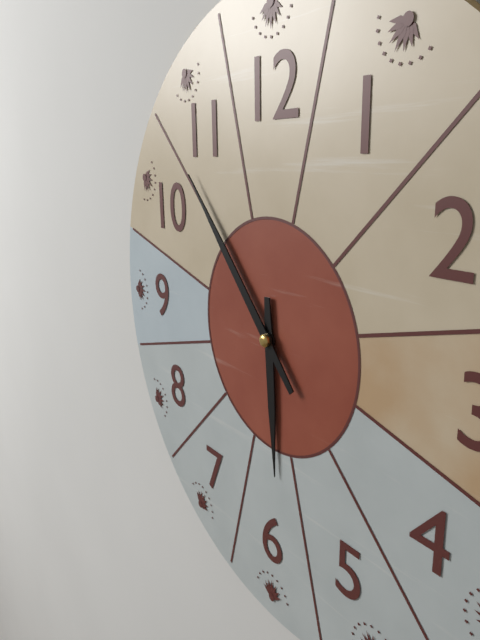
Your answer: **5:53**
